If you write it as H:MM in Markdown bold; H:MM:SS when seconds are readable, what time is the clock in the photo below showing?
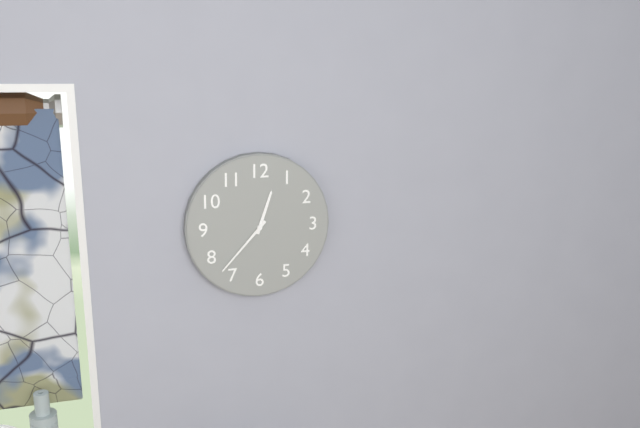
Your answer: **12:37**
